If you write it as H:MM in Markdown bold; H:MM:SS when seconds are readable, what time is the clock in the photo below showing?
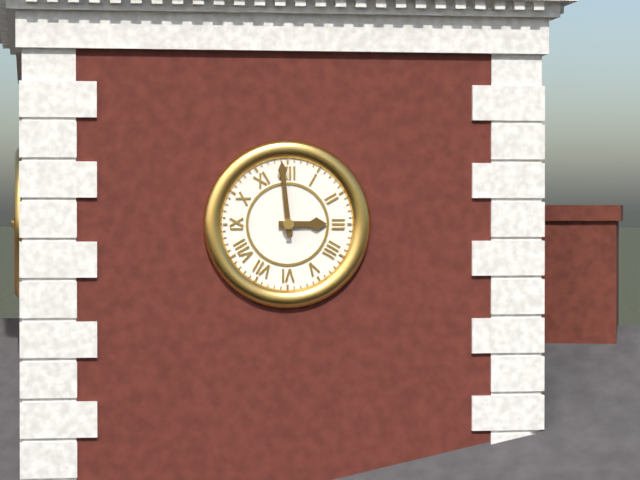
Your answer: **2:59**
